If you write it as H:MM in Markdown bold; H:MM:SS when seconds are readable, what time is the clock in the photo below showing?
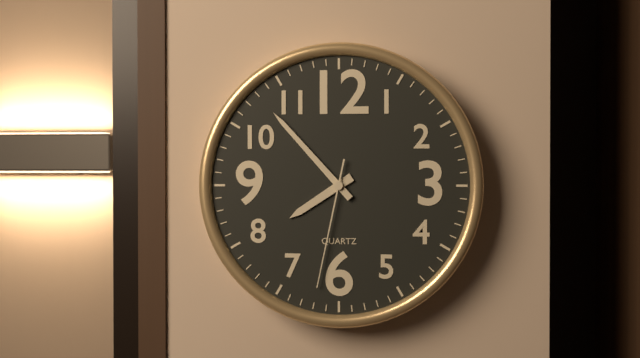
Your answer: **7:53:32**
